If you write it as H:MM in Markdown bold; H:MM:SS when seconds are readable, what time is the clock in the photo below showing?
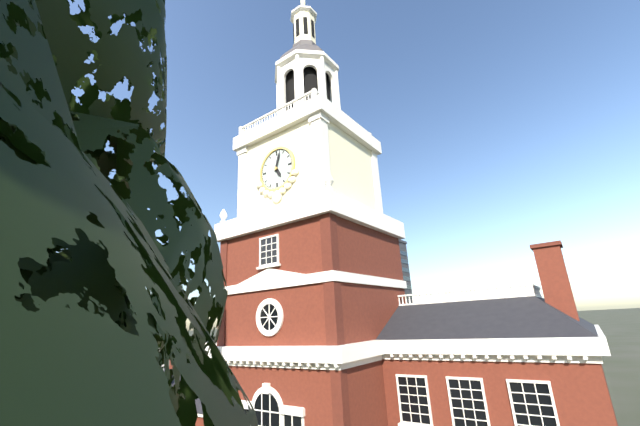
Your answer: **5:03**
